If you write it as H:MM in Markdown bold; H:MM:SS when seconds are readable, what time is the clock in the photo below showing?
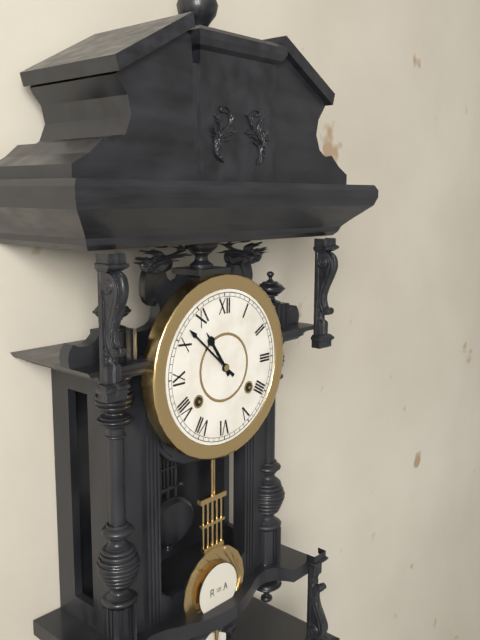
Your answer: **10:52**
